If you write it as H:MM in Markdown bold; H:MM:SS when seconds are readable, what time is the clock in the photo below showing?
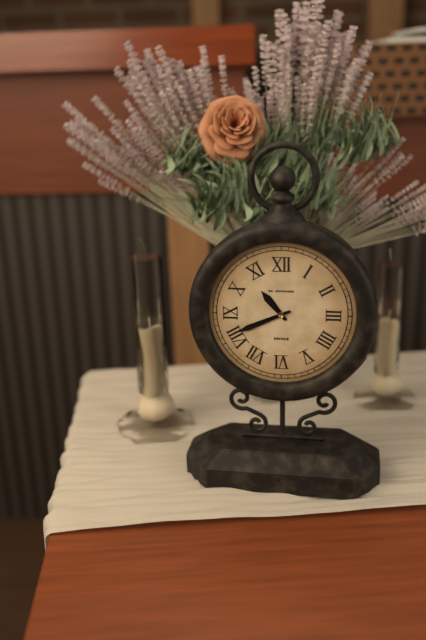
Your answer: **10:41**
